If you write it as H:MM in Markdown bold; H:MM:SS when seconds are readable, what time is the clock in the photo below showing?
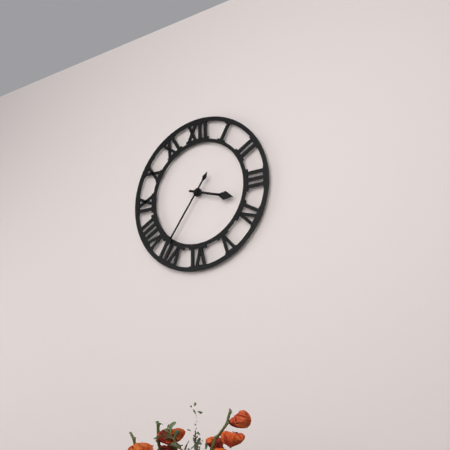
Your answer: **3:36**
